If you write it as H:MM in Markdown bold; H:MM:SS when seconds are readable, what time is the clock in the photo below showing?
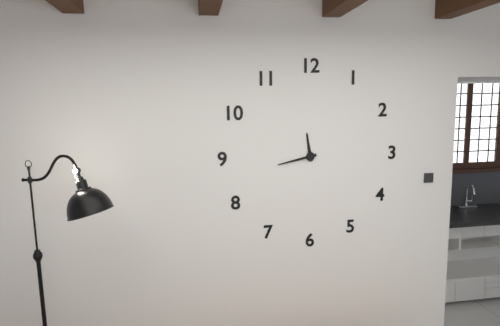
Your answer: **11:43**
